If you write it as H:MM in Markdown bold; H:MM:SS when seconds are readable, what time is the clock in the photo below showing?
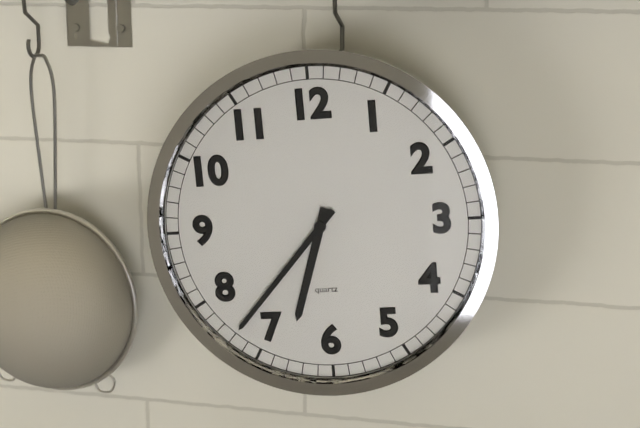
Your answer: **6:37**
